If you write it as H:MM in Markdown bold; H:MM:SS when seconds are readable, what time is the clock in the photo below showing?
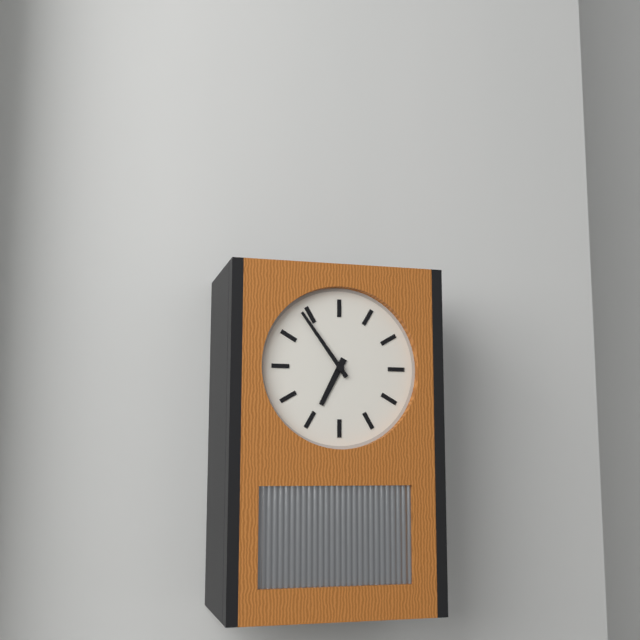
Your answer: **6:54**
